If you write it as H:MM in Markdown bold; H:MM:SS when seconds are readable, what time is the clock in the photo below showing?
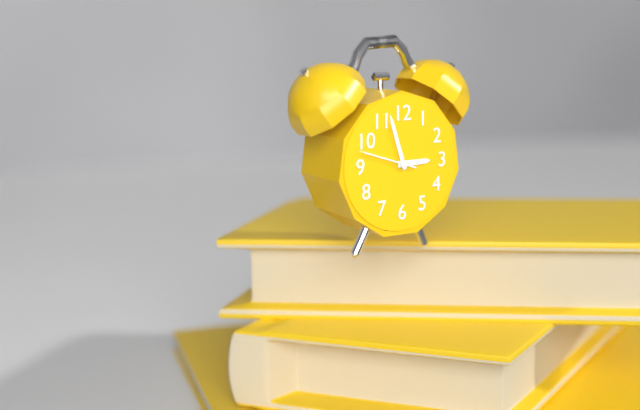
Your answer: **2:57:48**
